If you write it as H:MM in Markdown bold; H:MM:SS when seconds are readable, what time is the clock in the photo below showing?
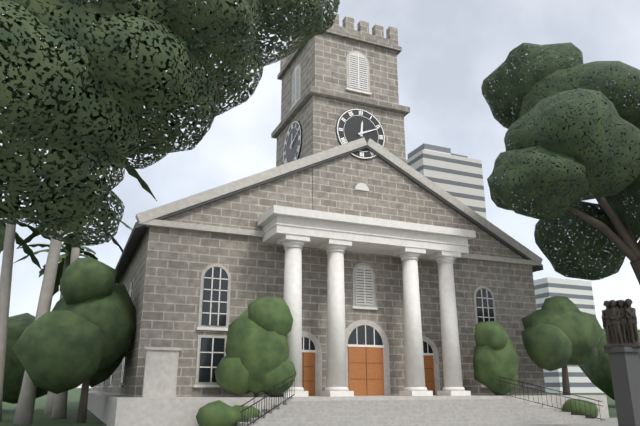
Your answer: **12:11**
